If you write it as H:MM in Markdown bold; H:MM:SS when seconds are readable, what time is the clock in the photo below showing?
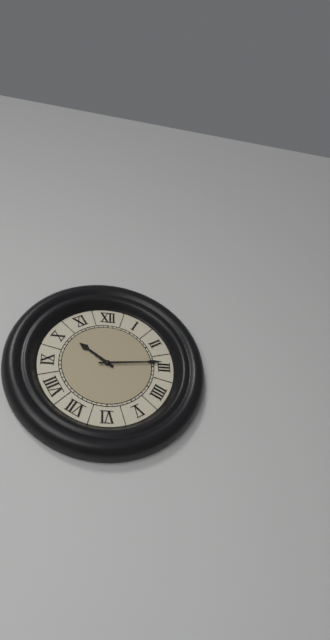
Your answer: **10:14**
